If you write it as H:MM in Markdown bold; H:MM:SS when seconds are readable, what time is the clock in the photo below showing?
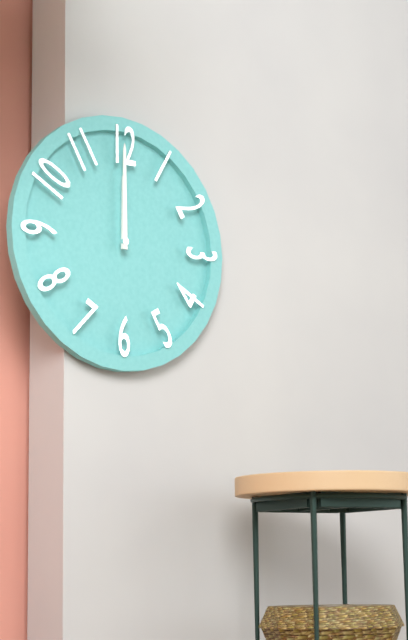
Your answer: **12:00**
